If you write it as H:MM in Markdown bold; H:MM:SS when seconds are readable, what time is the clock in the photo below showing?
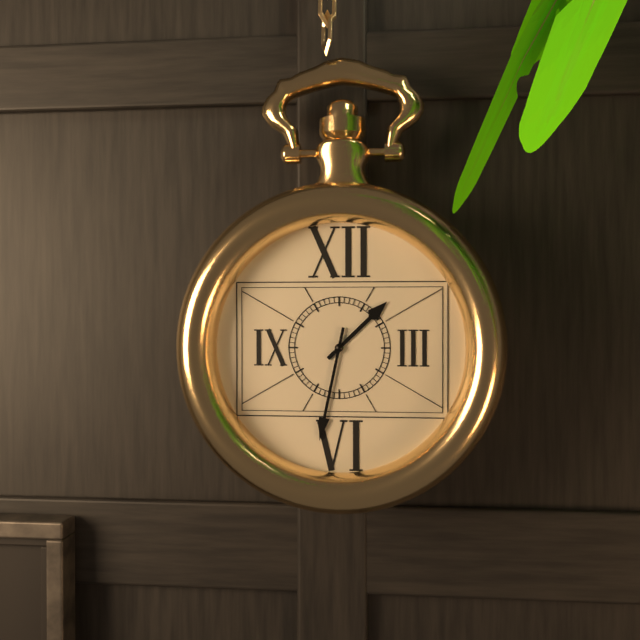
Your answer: **1:32**
